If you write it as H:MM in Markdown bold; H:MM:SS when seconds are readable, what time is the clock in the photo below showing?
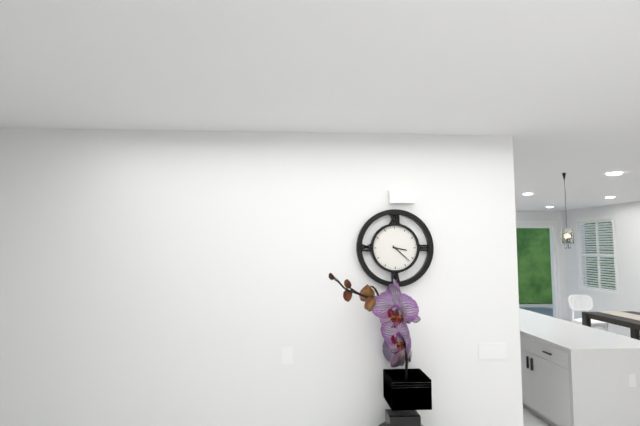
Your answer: **3:22**
